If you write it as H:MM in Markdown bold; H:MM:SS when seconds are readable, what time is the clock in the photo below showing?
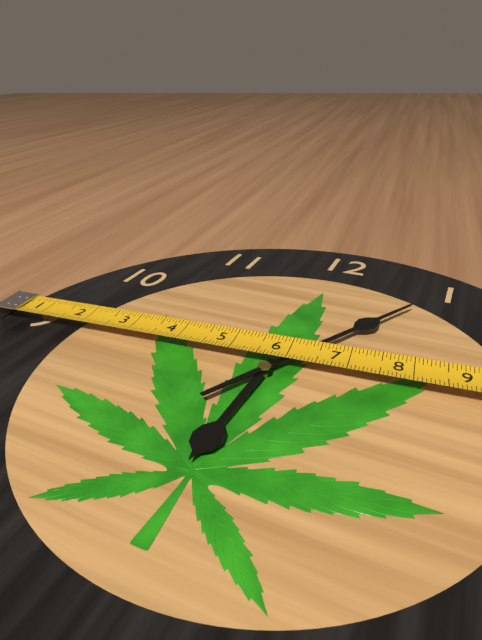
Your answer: **6:05**
